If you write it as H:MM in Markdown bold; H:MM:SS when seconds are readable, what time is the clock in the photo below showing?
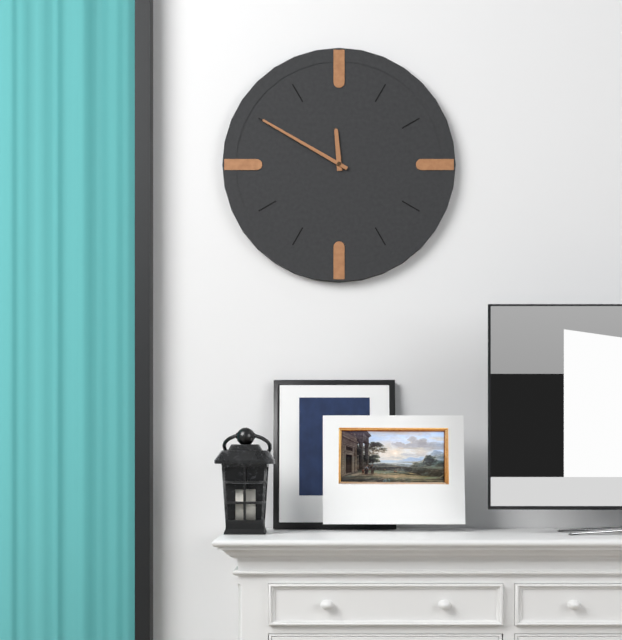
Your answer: **11:50**
